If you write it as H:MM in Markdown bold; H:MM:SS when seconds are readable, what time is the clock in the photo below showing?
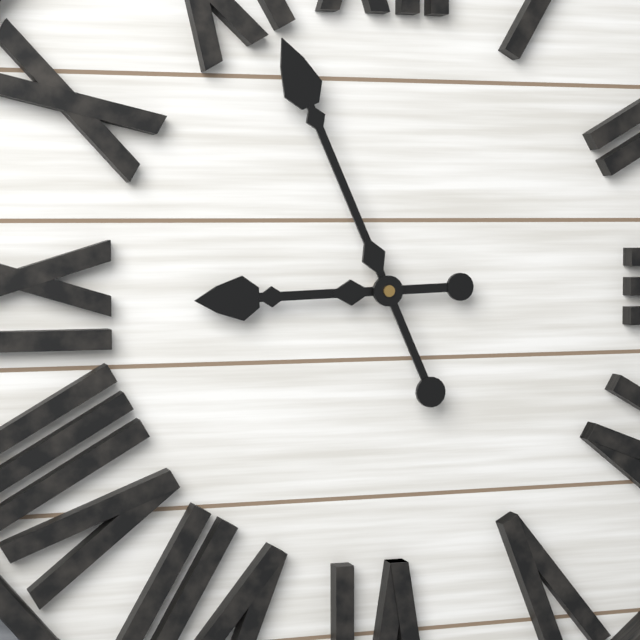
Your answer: **8:56**
